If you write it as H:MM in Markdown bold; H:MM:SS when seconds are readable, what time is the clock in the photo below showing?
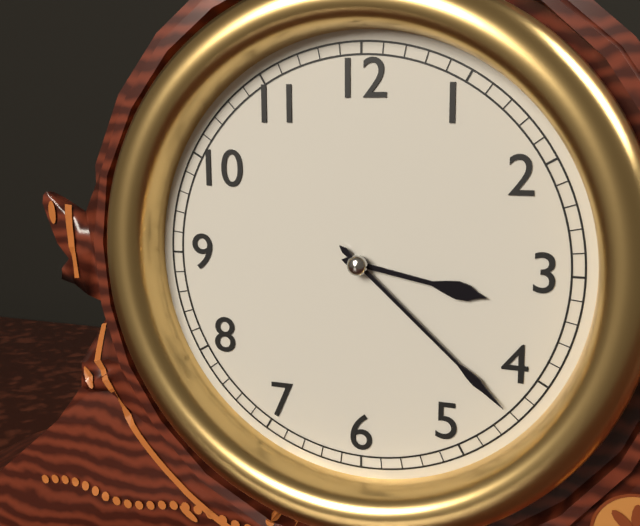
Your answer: **3:22**
